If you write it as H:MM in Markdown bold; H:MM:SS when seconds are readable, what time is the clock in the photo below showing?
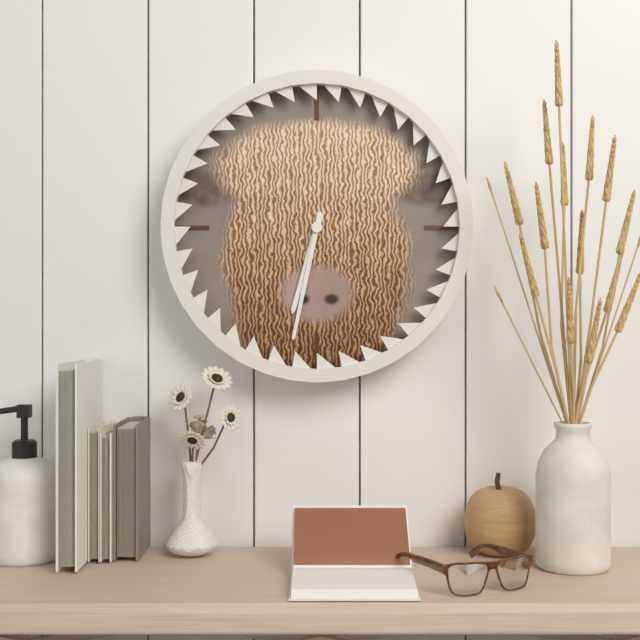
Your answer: **6:32**
